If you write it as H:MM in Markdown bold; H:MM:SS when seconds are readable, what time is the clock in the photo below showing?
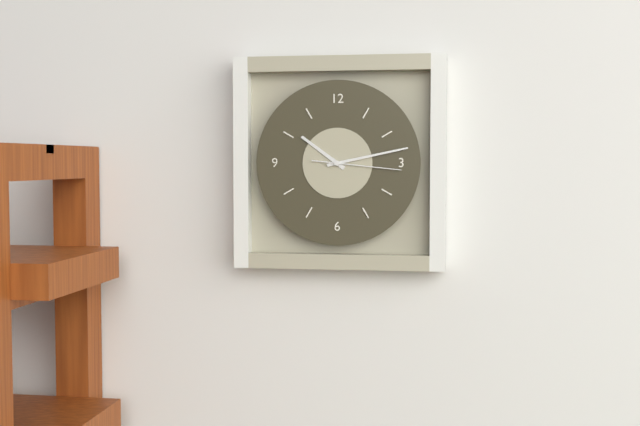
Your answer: **10:13:16**
